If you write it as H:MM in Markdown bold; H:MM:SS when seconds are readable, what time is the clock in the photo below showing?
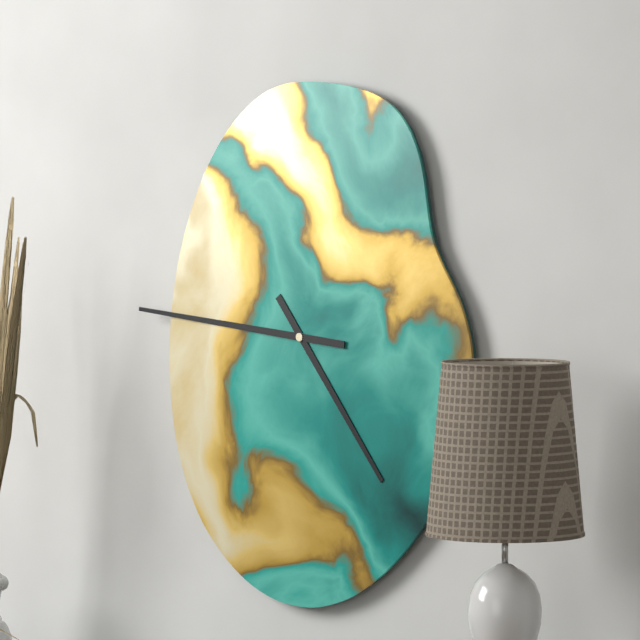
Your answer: **4:46**
